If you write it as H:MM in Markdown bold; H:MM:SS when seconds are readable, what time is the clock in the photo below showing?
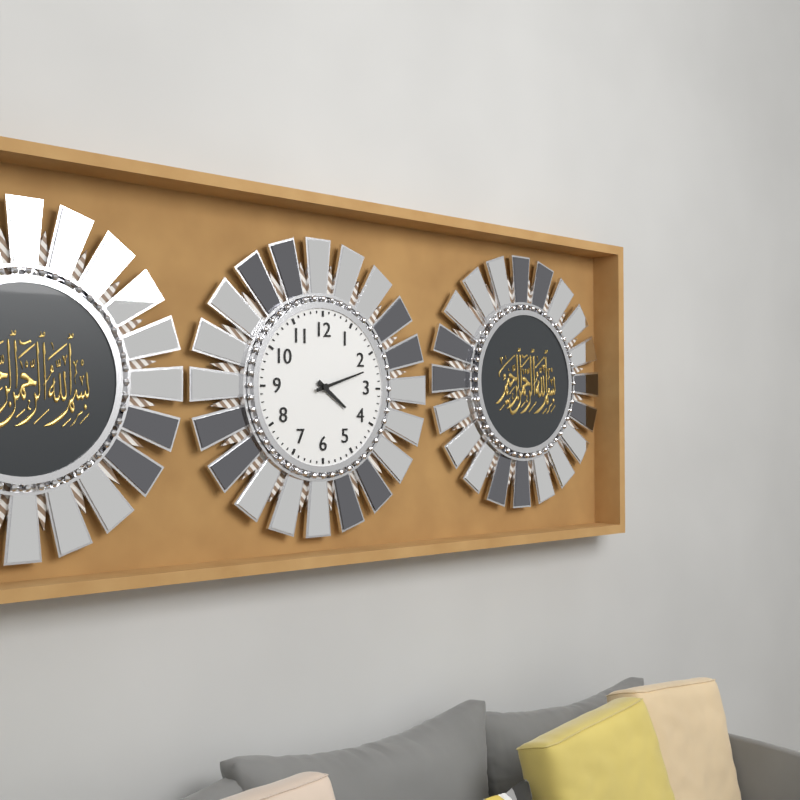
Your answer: **4:12**
